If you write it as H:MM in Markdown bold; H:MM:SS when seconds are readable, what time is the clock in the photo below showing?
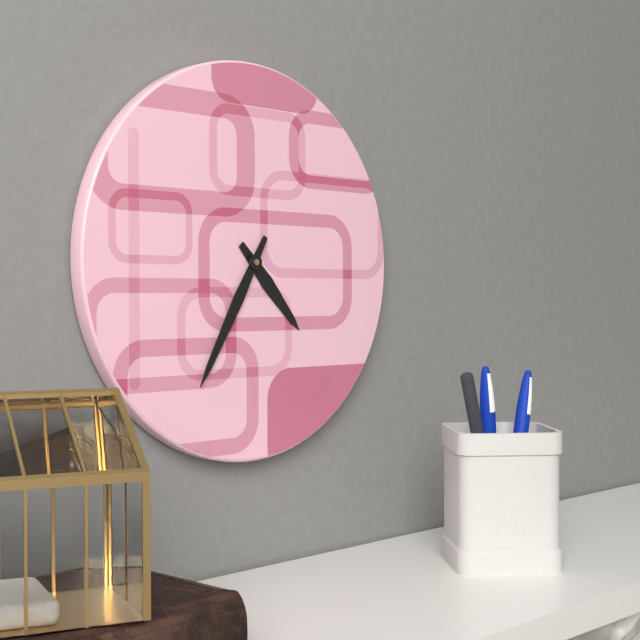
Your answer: **4:35**
